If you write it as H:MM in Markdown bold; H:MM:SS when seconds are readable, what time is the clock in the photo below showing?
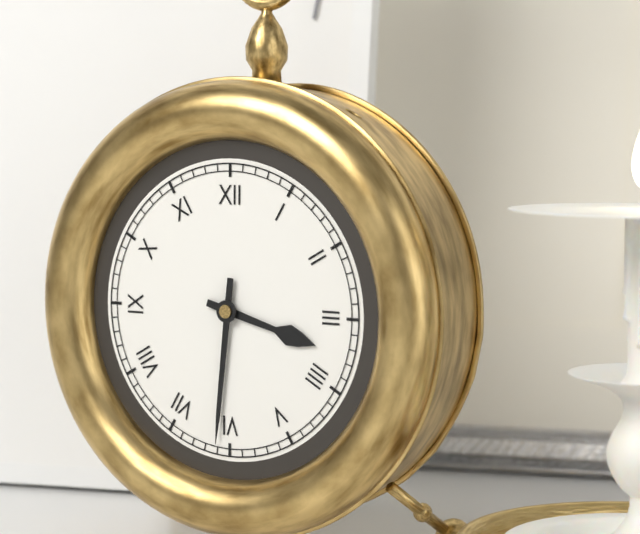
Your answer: **3:31**
